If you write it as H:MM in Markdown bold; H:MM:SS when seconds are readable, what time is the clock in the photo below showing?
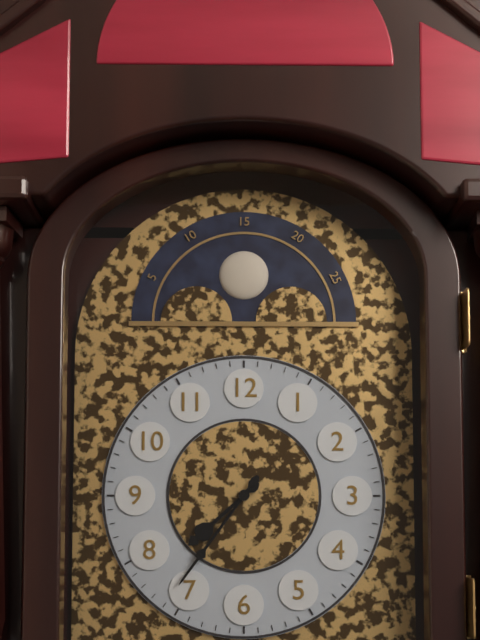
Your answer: **7:36**
